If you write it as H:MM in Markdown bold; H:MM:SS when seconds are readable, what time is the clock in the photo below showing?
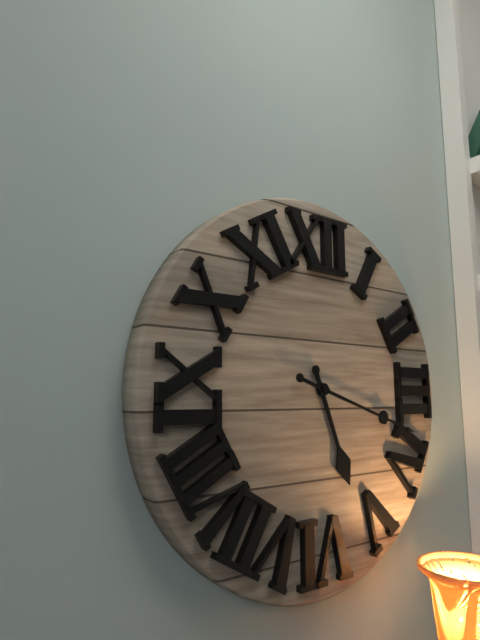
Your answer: **5:18**
